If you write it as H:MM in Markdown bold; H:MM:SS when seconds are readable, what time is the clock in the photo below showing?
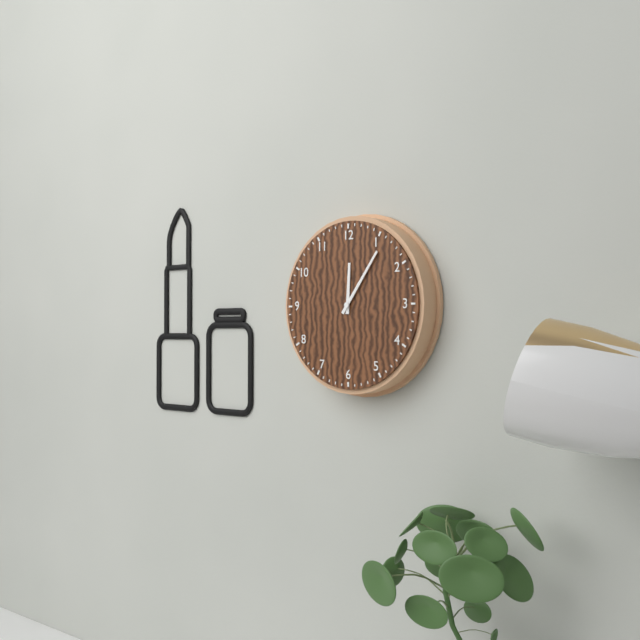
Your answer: **12:06**
